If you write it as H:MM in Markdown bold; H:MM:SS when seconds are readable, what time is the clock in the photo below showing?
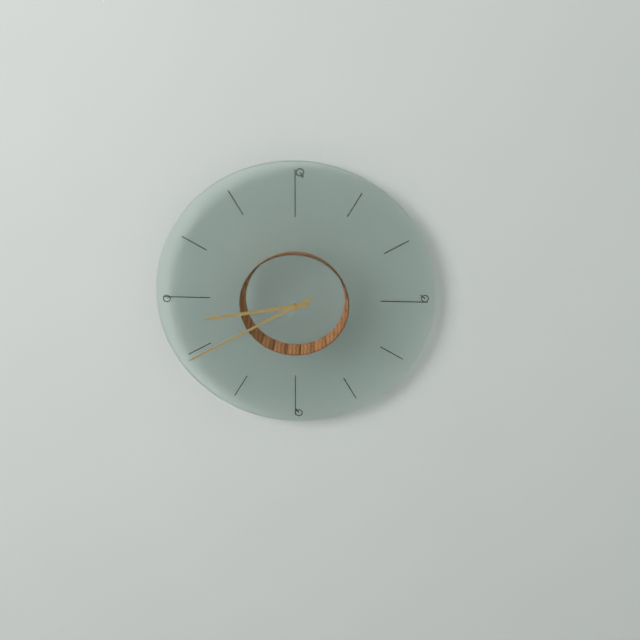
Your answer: **8:40**
